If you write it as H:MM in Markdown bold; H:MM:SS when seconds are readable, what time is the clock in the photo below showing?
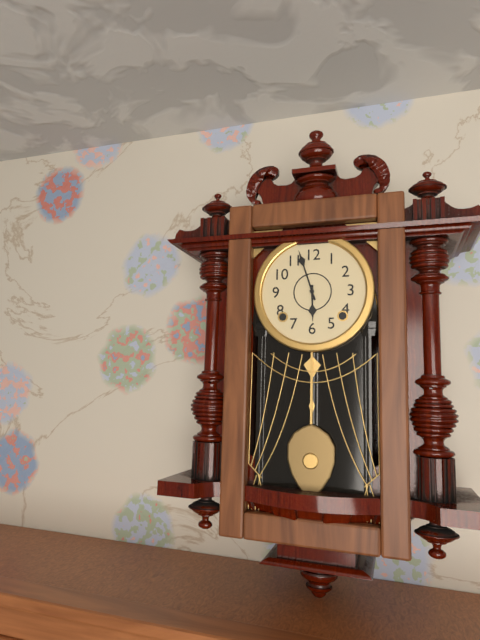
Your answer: **5:57**
